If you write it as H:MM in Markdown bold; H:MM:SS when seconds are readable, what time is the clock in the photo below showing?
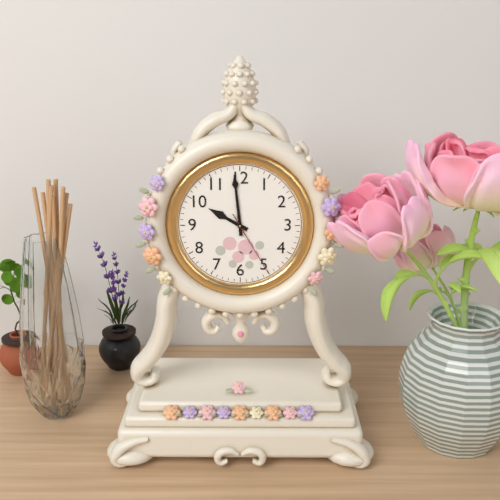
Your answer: **9:59:25**
